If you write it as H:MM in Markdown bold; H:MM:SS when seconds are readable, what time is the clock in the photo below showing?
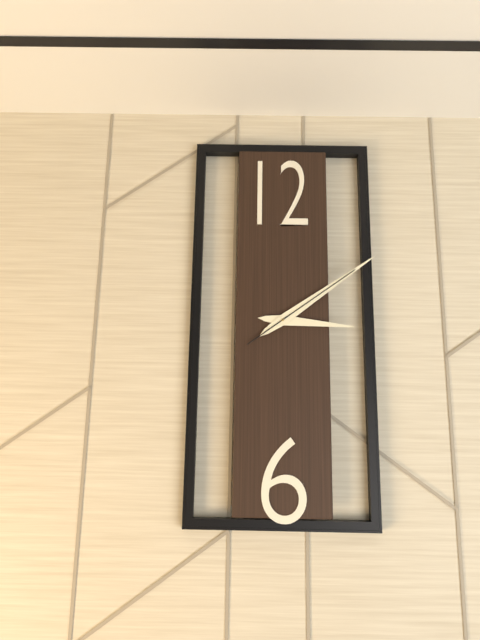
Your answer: **3:09:09**
